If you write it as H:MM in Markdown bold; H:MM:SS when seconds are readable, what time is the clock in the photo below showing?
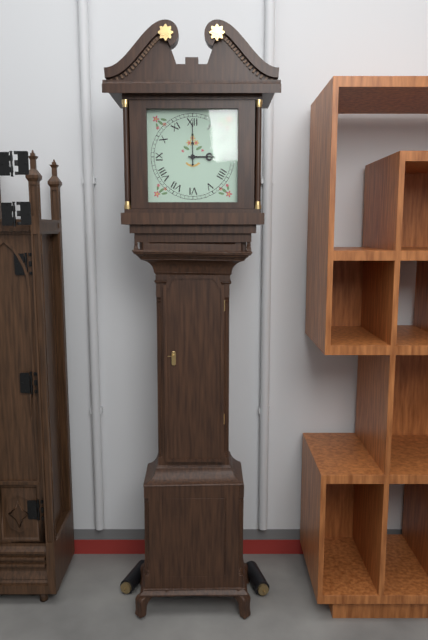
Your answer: **3:00**
